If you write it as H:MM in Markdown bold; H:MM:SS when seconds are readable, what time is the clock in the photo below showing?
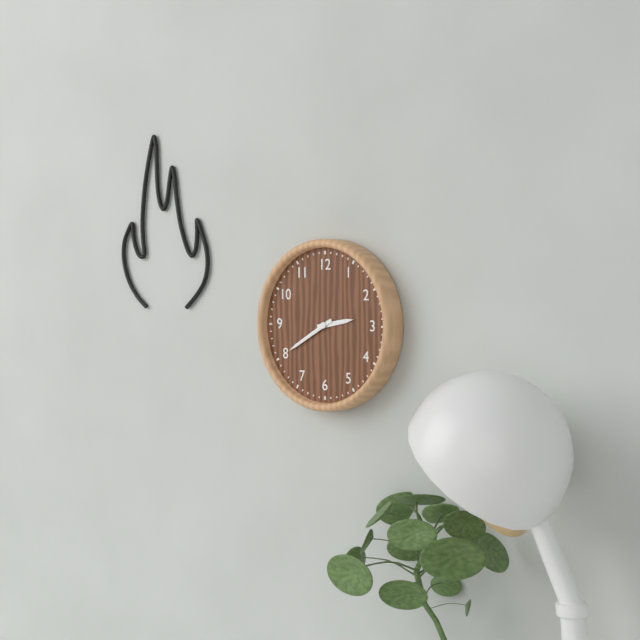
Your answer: **2:40**
